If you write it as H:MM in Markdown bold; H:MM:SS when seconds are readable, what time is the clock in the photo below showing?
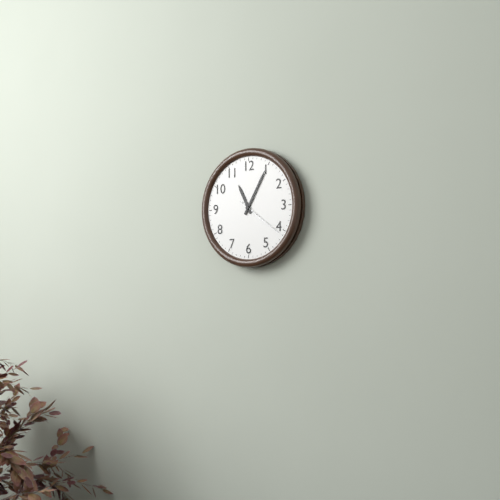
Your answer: **11:05**
